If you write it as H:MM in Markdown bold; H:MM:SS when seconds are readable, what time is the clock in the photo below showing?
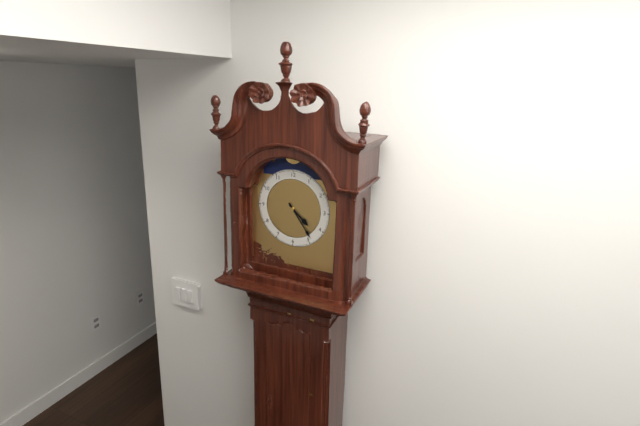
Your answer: **4:24**
